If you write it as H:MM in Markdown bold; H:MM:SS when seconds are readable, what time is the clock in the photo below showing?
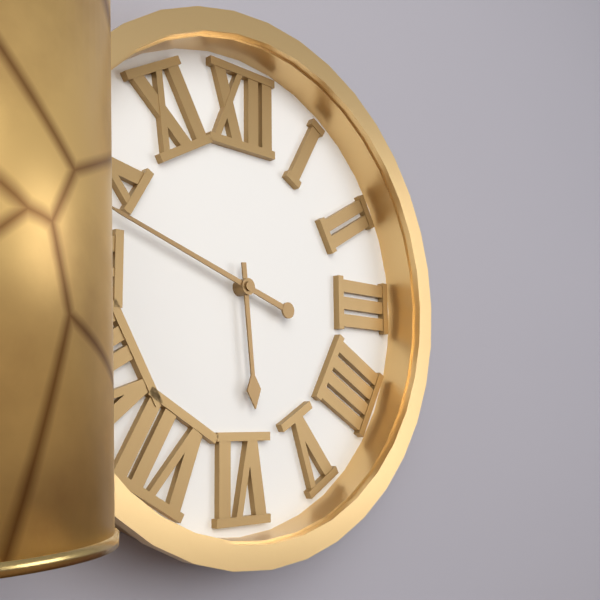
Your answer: **5:48**
